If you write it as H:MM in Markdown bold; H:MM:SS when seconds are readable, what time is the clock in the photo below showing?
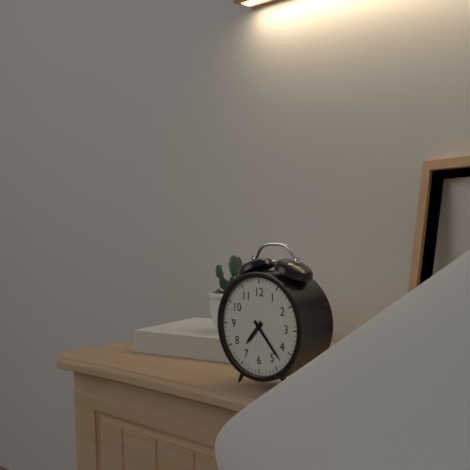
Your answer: **7:23**
